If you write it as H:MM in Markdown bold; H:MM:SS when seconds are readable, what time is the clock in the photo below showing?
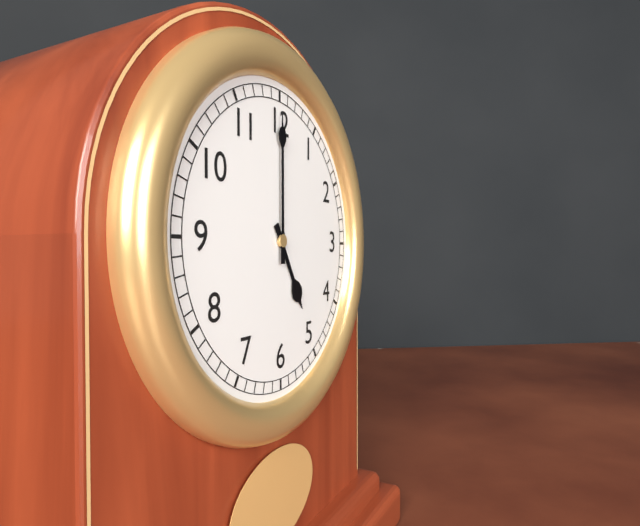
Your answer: **5:00**
